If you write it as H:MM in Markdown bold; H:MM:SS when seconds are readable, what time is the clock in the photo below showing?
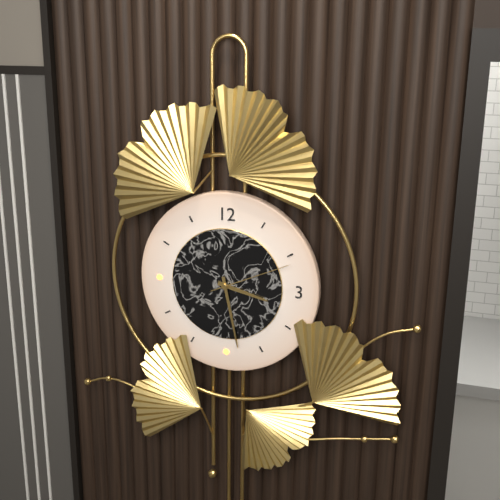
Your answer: **3:28:11**
